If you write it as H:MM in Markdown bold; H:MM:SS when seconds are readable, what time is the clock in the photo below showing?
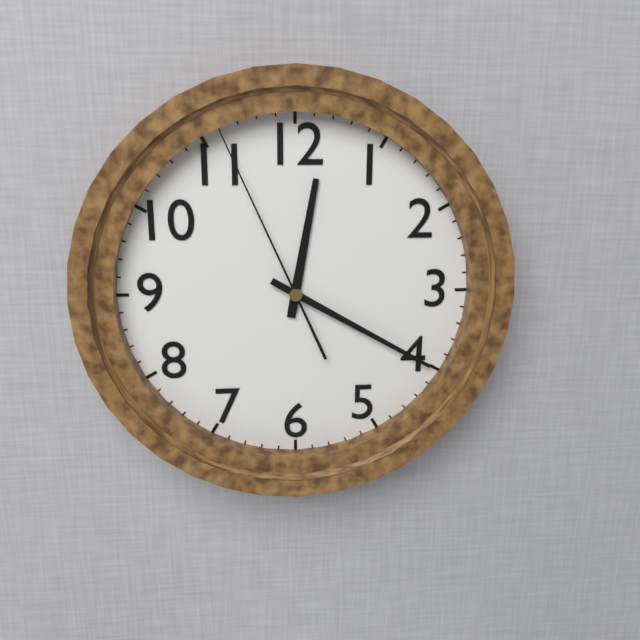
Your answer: **12:20:56**
